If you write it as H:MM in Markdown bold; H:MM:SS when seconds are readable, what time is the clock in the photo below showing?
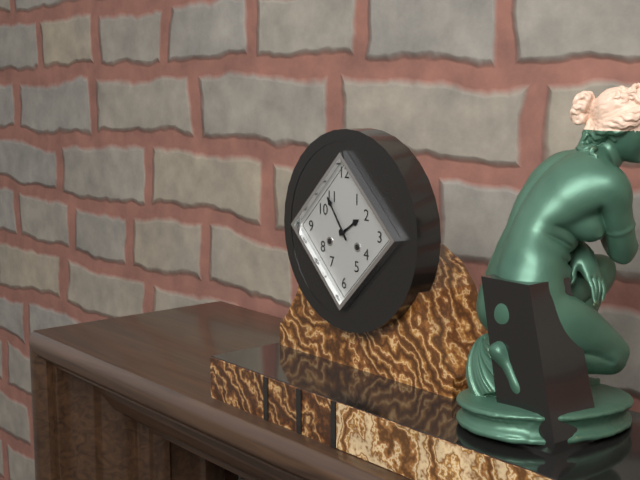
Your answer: **1:54**
